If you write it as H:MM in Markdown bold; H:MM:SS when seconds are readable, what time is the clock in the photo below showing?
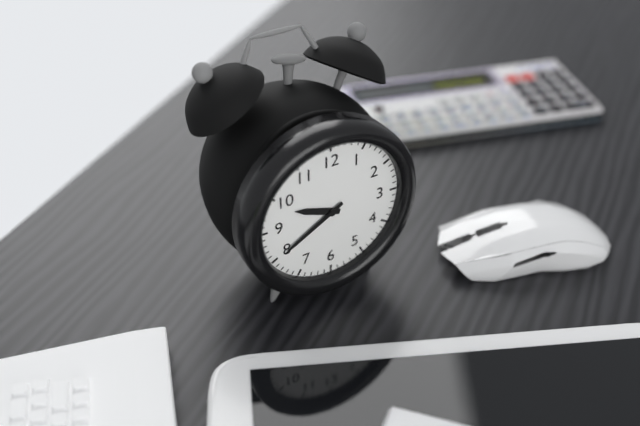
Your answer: **9:40**
